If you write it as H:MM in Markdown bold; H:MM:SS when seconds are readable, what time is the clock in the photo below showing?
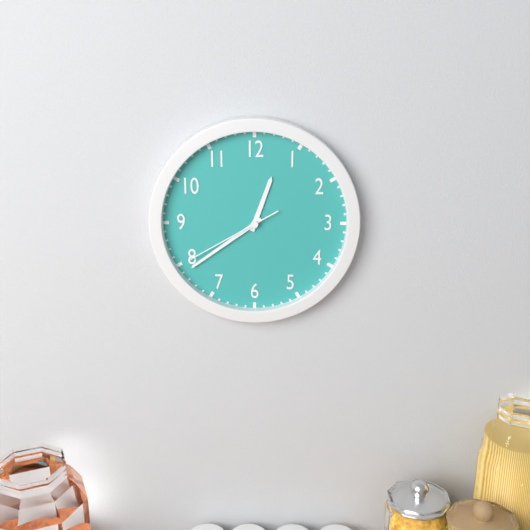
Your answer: **12:39:40**
